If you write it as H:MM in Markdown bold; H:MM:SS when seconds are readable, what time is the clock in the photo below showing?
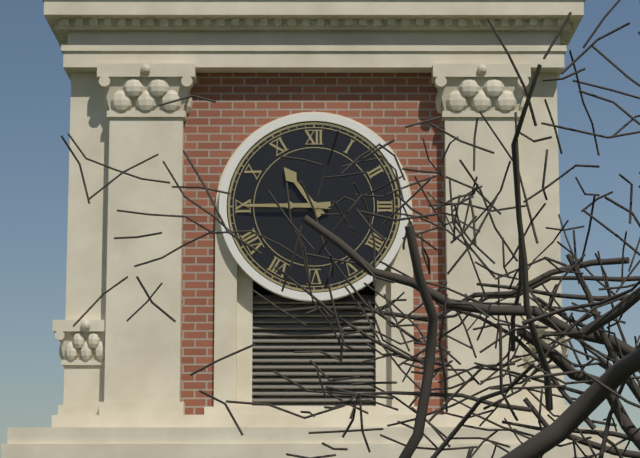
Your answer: **10:45**
